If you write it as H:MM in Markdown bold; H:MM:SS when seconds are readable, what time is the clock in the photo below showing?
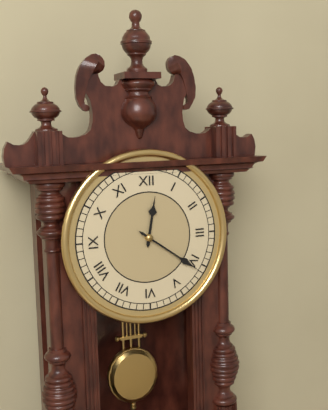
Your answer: **12:21**
